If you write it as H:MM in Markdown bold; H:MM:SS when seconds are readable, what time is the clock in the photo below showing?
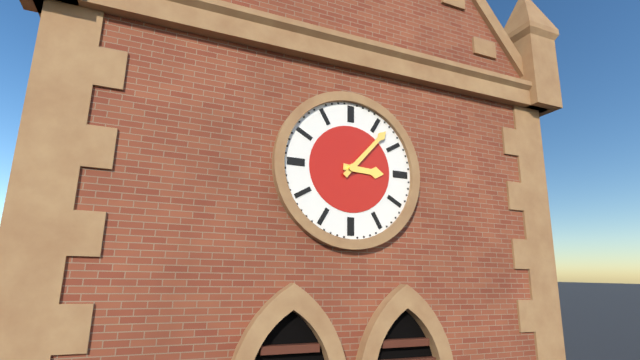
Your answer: **3:07**
